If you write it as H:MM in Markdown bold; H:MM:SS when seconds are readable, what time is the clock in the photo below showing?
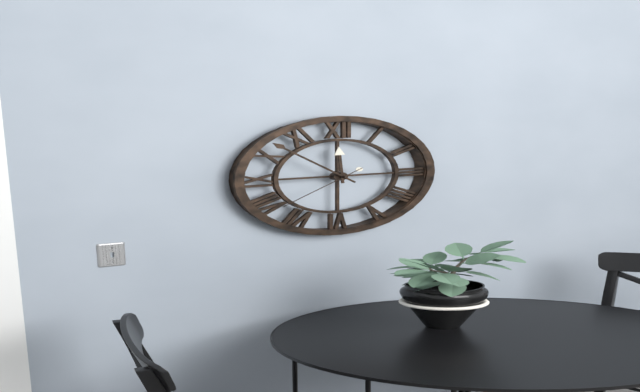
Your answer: **11:52:39**
